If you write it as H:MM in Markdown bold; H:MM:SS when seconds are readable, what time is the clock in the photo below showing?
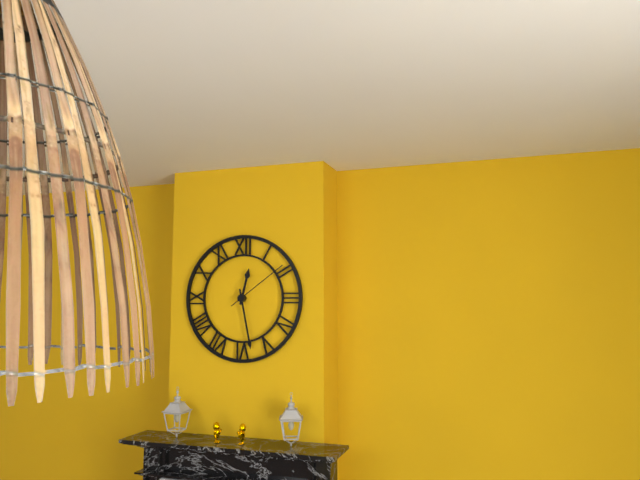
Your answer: **12:28:09**
